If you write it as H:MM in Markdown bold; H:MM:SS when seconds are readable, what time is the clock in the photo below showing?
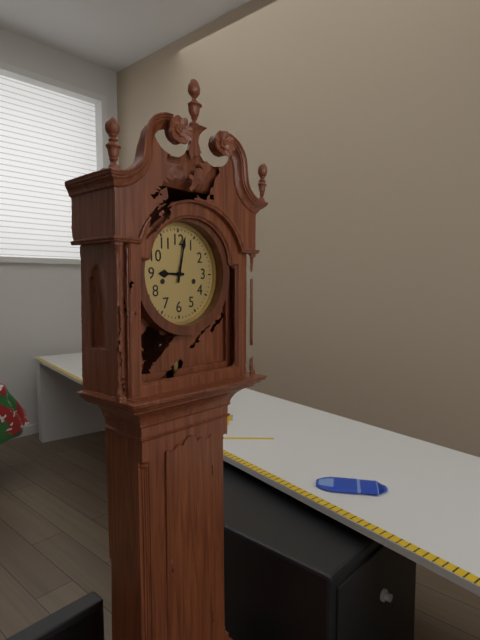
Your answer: **9:02**
